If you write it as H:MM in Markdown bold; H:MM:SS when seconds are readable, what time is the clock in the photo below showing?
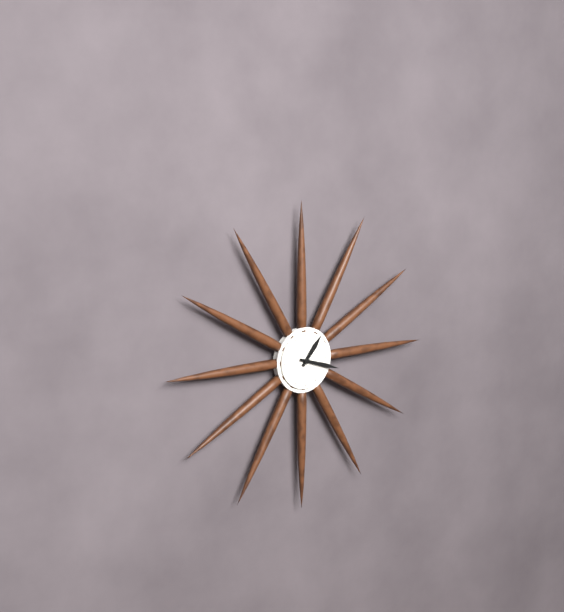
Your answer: **1:18**
